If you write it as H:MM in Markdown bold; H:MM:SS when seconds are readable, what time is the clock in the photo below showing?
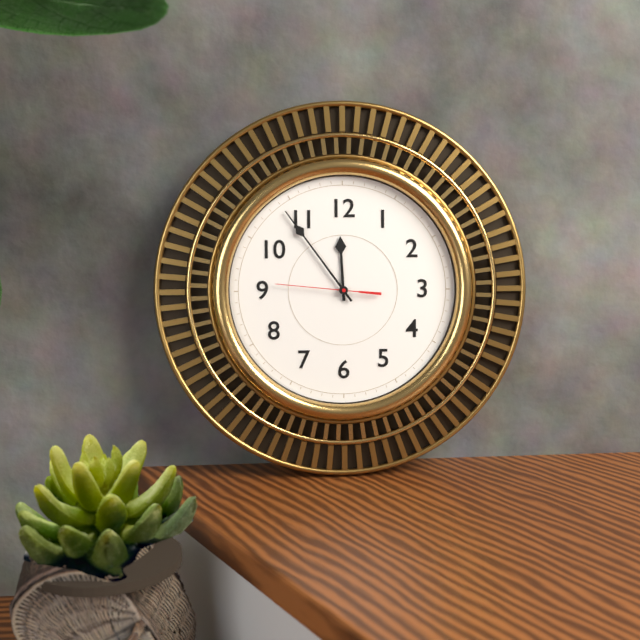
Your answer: **11:54:46**
